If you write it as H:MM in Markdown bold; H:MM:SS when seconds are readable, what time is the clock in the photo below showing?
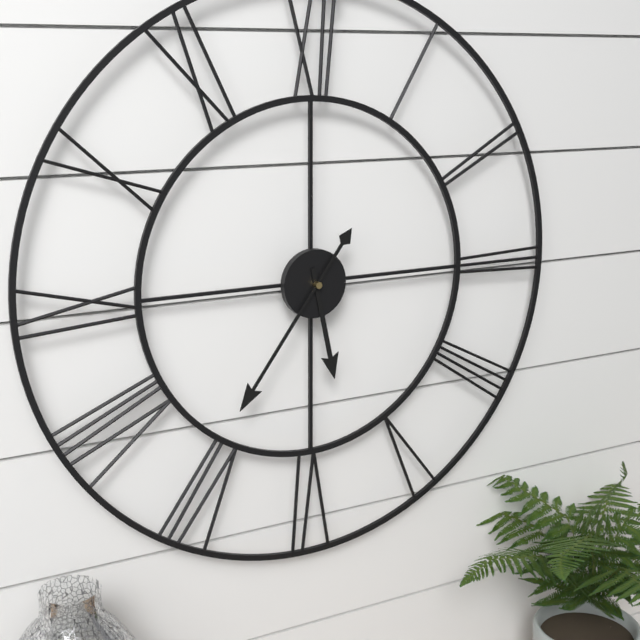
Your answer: **5:36**
